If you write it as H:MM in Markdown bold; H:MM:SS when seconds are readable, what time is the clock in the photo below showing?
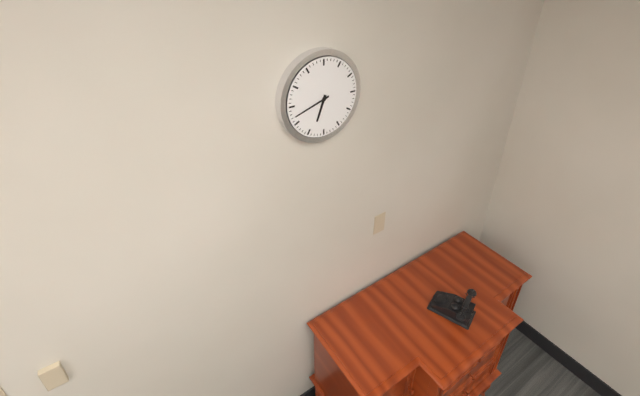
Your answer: **6:42**
